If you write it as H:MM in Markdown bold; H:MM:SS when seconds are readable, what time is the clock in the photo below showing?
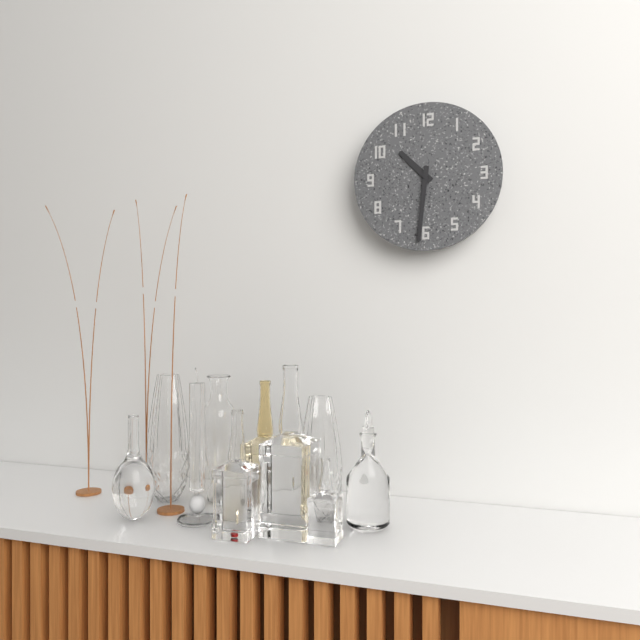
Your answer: **10:31**
